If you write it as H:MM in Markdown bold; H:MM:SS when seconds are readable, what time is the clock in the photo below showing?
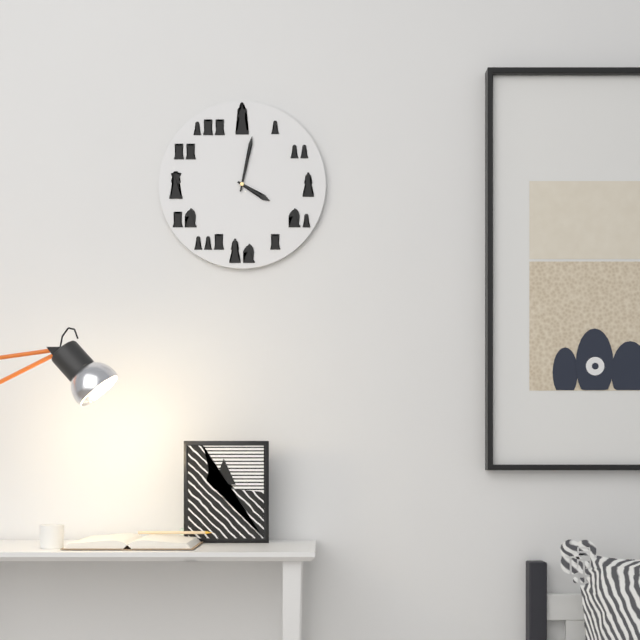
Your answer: **4:02**
